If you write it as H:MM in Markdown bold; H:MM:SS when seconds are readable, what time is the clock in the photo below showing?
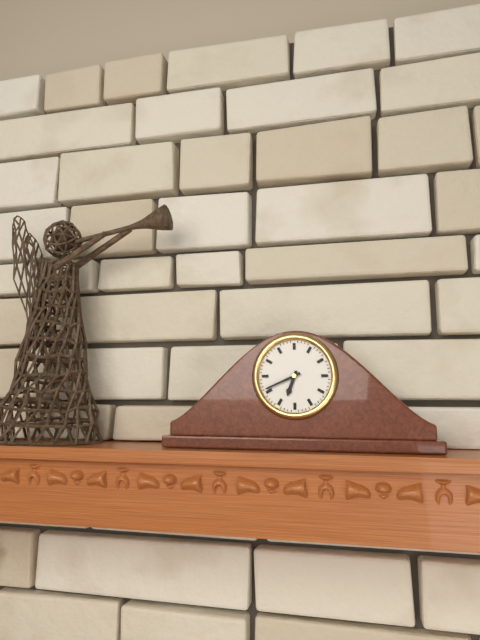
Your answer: **6:41**
